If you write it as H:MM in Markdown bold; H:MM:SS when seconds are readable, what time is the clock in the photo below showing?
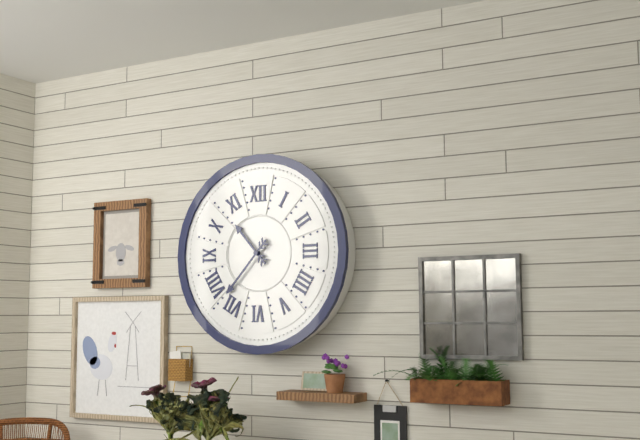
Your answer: **10:37**
